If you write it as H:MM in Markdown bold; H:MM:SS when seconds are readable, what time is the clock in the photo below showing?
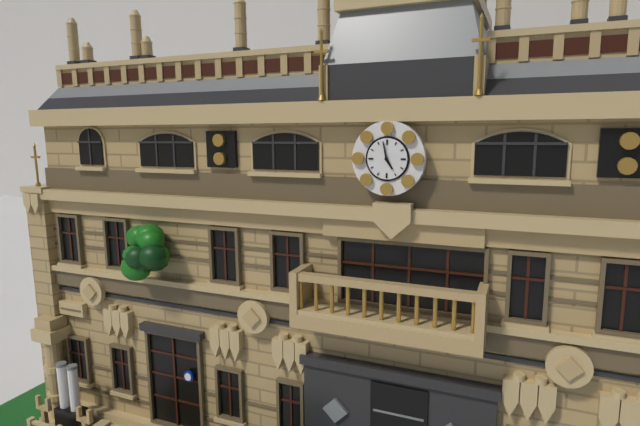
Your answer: **4:58**
